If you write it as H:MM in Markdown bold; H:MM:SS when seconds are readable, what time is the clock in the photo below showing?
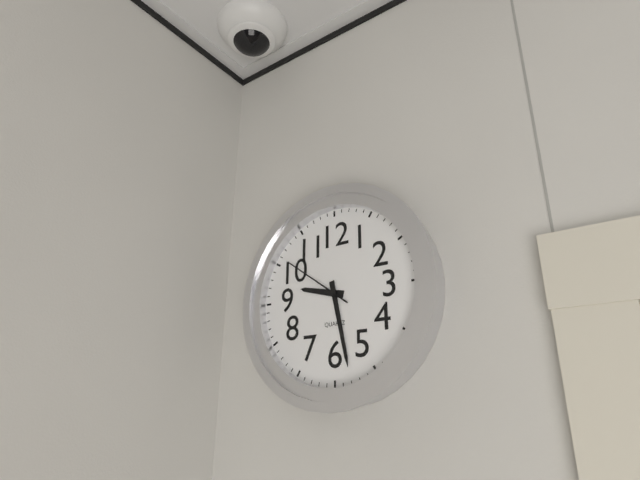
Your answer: **9:28:51**
